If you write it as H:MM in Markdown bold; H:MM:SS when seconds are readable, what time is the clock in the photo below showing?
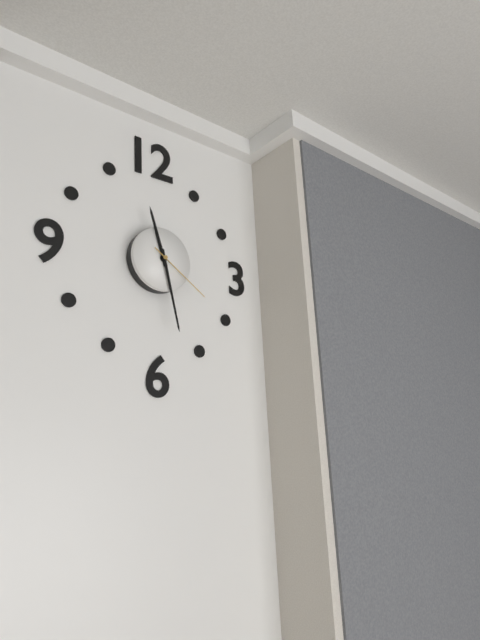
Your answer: **11:28:21**
